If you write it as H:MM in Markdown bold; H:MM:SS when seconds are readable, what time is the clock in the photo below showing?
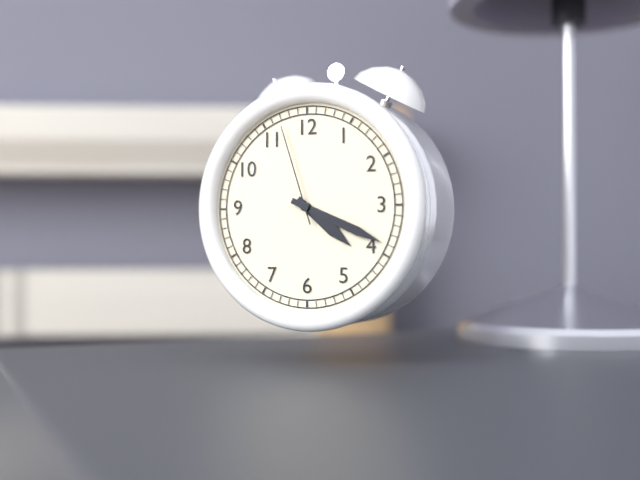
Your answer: **4:19:57**
